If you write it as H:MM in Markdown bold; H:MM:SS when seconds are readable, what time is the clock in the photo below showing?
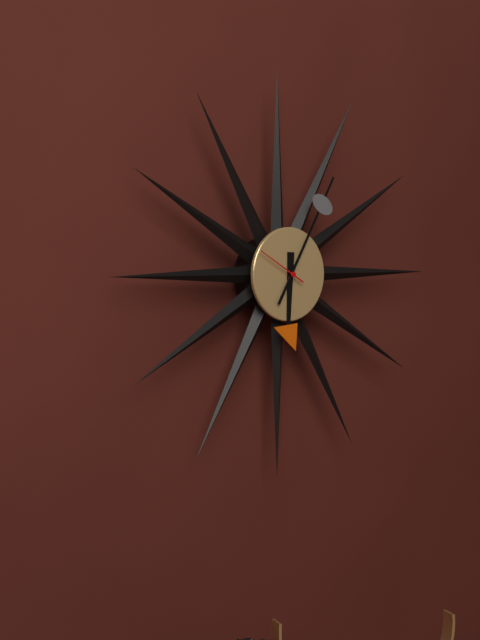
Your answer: **6:05**
